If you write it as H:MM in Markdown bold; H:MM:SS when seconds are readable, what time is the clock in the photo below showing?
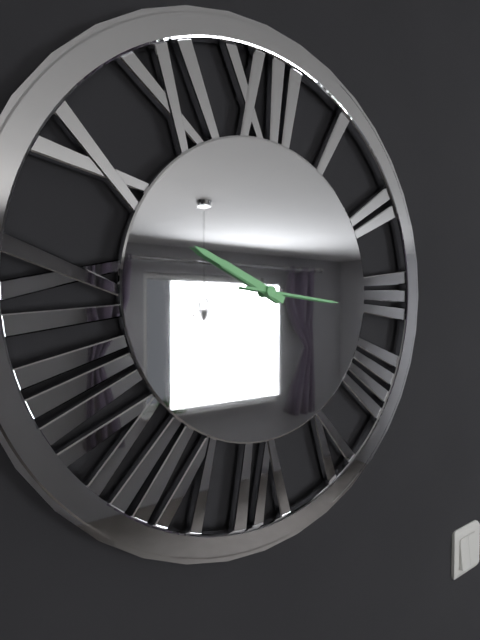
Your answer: **9:49:16**
